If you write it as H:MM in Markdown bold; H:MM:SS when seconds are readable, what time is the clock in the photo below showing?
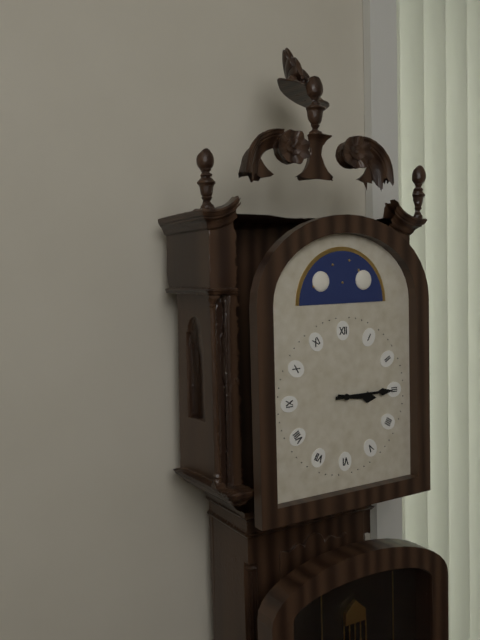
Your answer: **3:15**
